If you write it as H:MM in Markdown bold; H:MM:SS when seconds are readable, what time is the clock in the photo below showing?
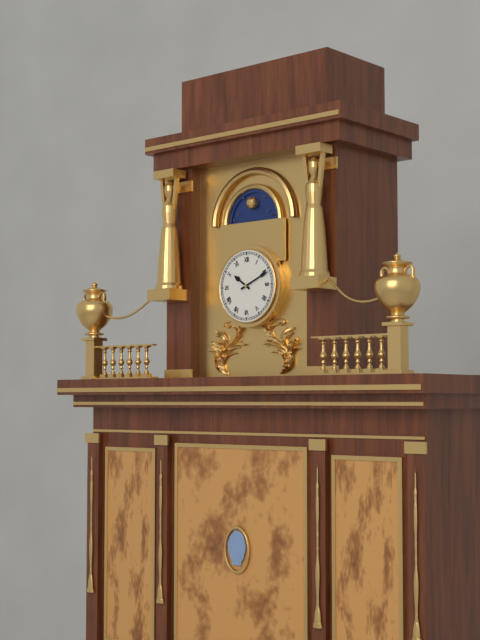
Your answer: **10:11**
